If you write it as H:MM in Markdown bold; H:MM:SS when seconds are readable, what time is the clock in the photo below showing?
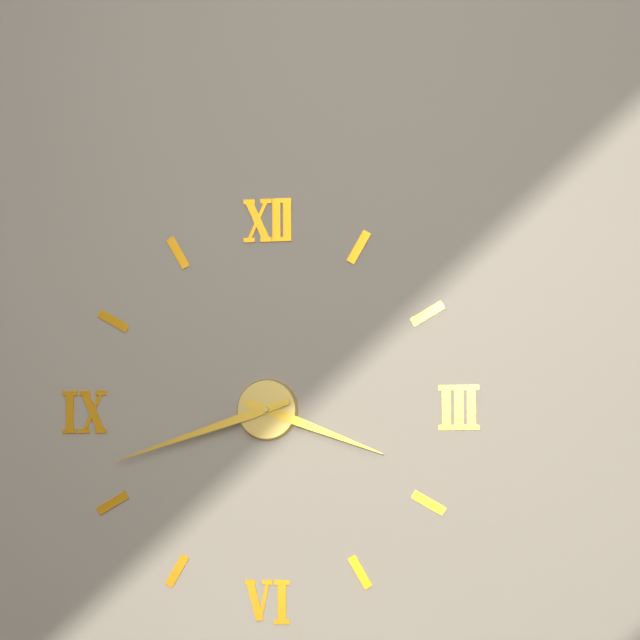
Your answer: **3:42**
